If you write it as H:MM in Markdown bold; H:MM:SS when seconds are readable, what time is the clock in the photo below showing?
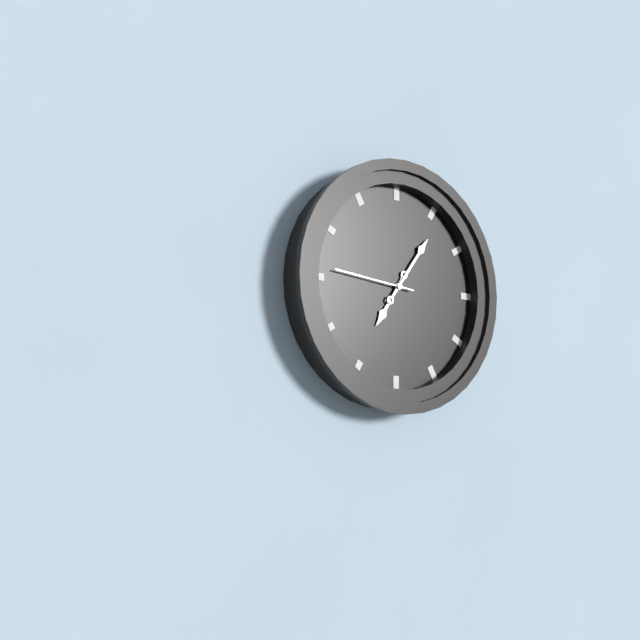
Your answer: **7:06:46**
